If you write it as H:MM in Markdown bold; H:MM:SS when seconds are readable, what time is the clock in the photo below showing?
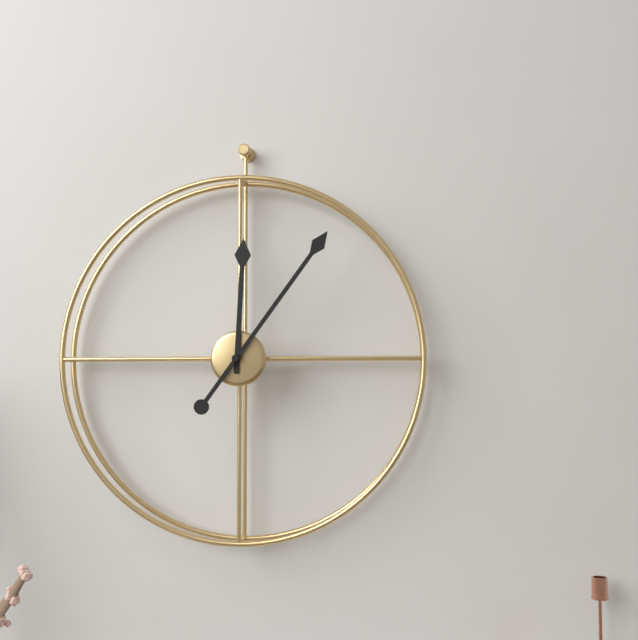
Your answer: **12:06**
